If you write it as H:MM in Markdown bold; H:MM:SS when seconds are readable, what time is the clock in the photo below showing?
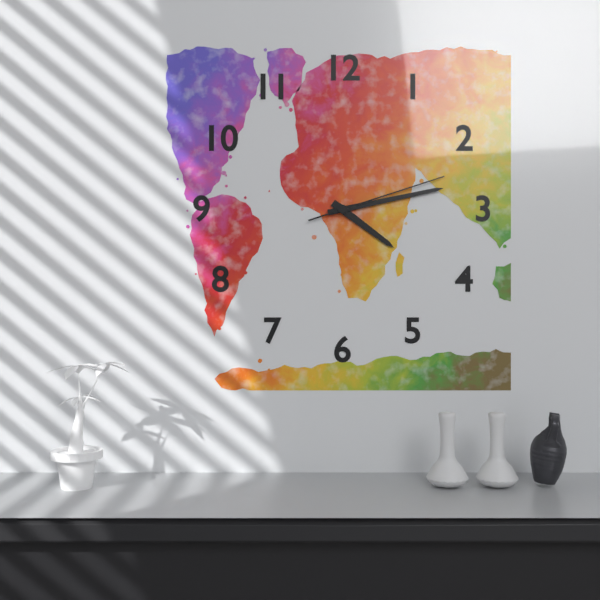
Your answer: **4:13:12**
